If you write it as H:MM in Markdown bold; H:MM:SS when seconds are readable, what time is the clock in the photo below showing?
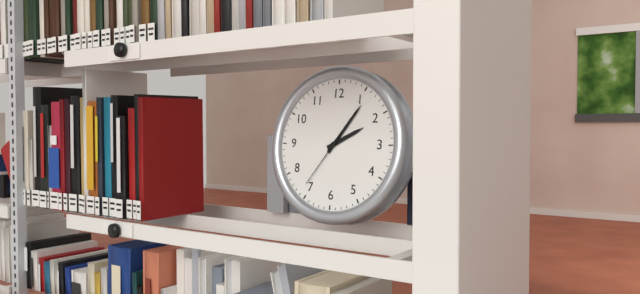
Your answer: **2:06:36**
